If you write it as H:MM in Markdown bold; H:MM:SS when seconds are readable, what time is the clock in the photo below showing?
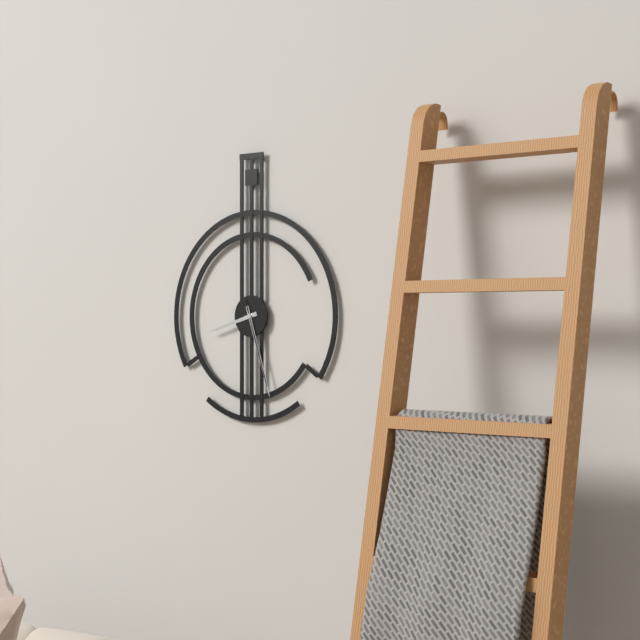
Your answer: **8:27:27**
